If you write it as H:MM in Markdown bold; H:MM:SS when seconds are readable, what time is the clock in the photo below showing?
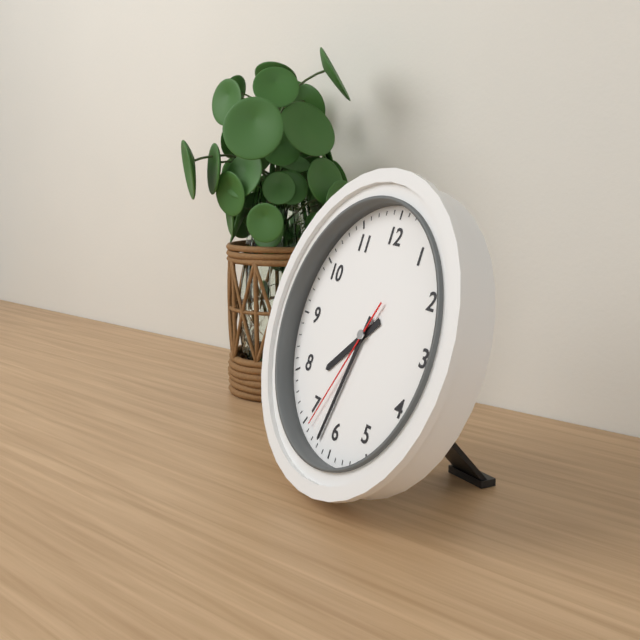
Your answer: **7:32:34**
